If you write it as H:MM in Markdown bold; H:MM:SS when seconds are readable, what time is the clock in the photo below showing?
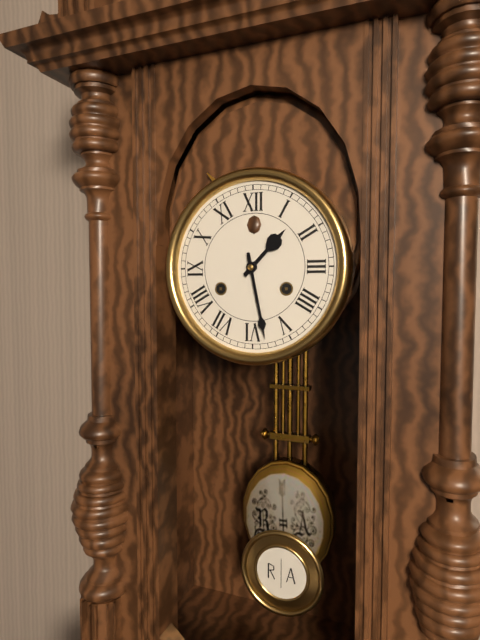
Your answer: **1:28**
